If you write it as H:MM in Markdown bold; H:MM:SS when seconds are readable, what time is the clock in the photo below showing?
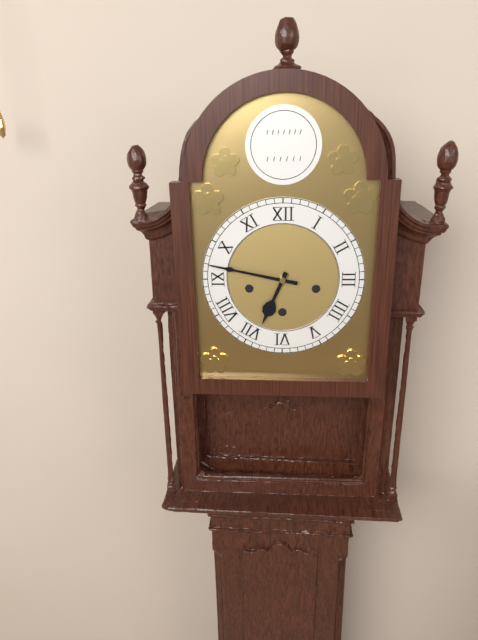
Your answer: **6:47**
